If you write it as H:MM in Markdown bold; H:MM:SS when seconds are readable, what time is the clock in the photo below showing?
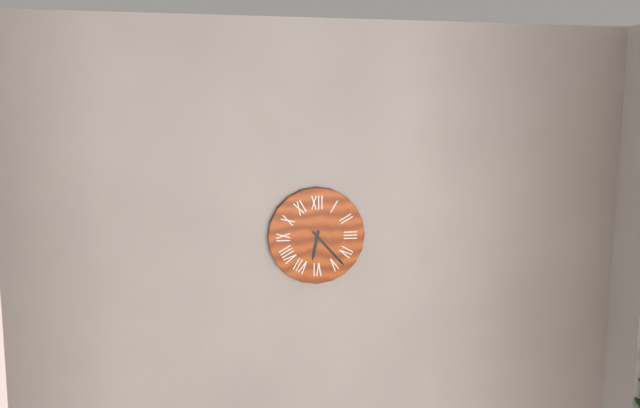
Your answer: **6:23**
